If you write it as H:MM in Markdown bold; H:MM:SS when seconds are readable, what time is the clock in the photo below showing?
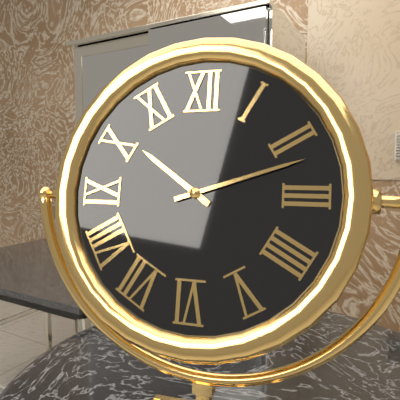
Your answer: **10:12**
